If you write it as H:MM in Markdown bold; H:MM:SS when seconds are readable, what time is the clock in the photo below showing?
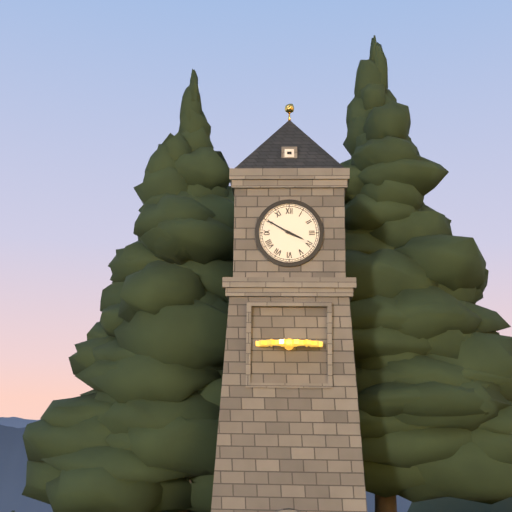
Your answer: **3:50**
